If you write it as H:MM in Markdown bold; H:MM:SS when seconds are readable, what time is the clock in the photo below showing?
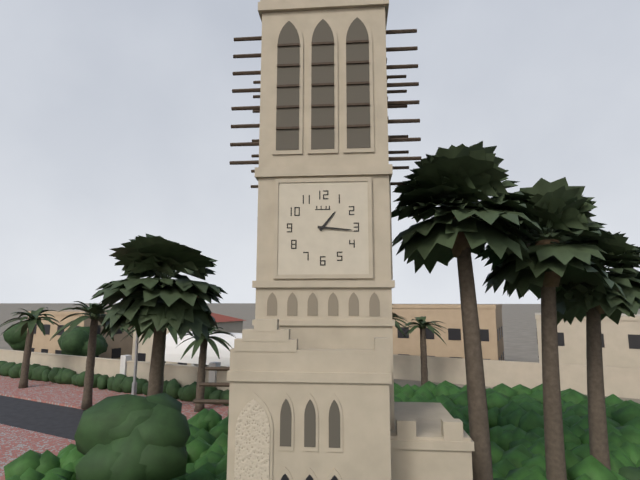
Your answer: **1:16**
